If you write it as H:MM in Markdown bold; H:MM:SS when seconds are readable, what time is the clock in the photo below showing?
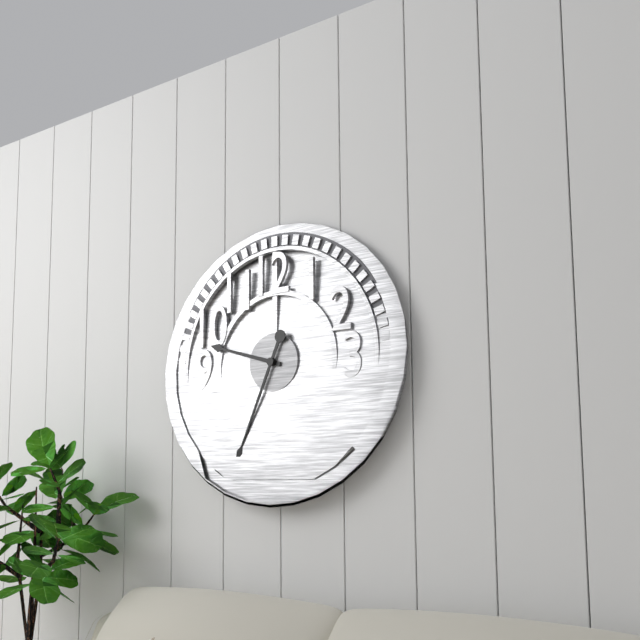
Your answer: **9:34**
